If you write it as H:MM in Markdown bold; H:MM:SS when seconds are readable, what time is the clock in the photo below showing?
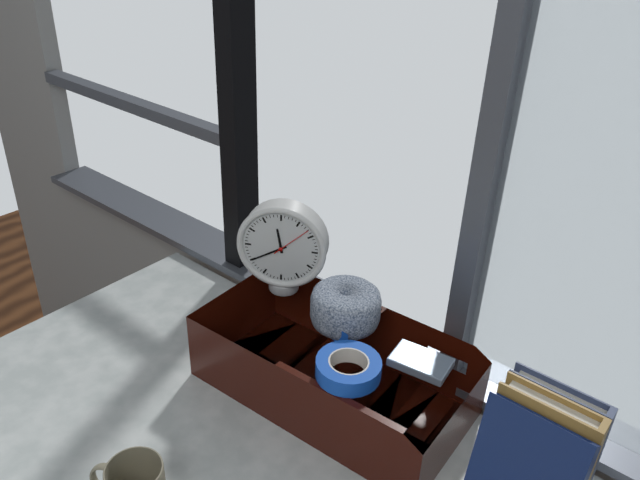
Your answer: **11:40**
